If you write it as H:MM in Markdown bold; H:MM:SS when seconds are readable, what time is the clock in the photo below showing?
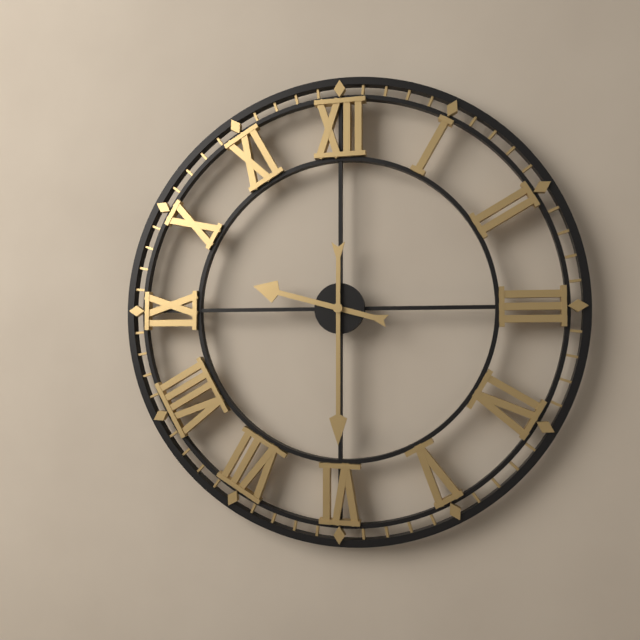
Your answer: **9:30**
